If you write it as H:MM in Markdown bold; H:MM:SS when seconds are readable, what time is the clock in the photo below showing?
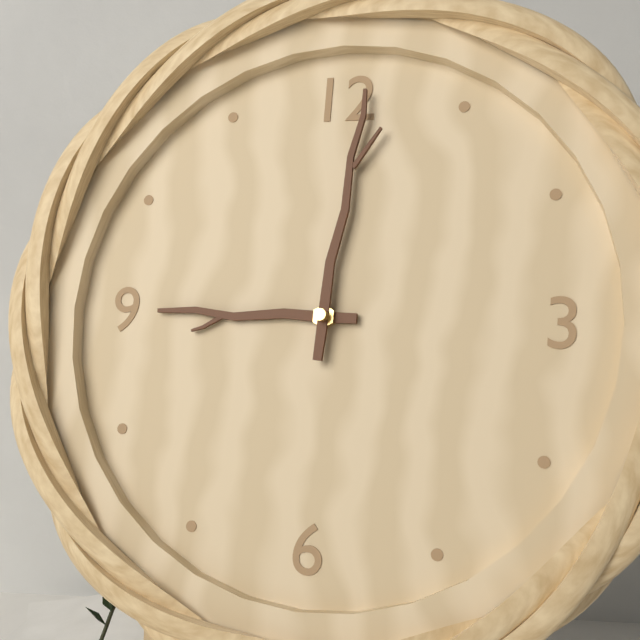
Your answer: **9:01**
